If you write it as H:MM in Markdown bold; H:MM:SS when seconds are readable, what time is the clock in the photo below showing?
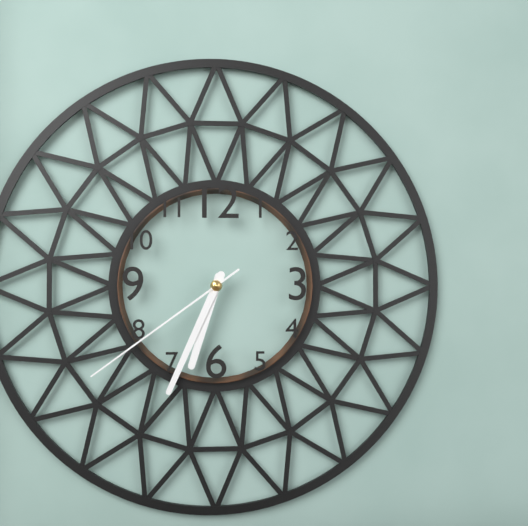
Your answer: **6:34:39**
